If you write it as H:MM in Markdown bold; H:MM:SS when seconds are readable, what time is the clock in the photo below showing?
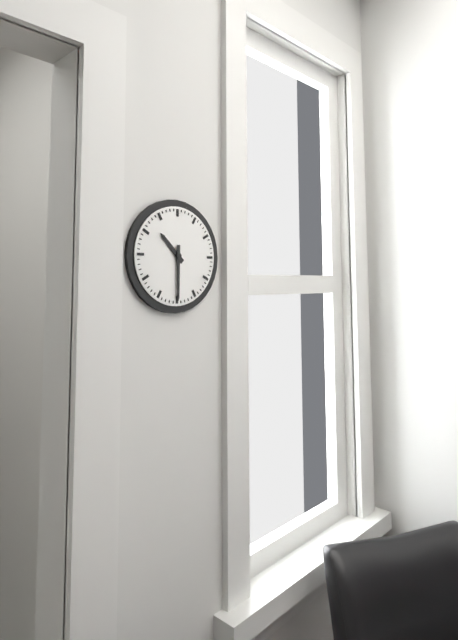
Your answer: **10:30**
